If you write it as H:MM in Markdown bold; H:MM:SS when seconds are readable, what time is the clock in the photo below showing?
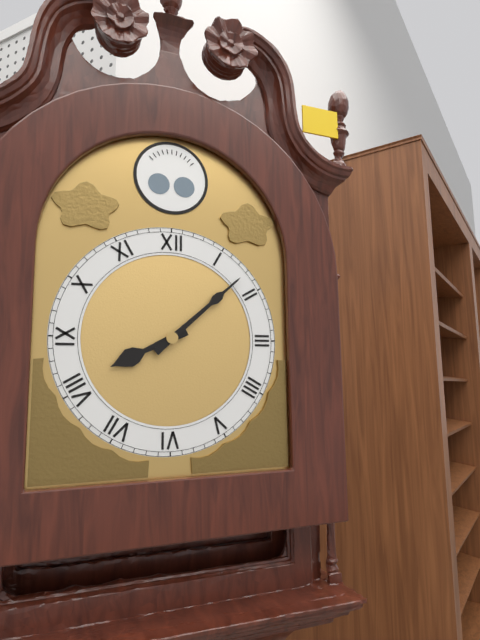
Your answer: **8:08**
